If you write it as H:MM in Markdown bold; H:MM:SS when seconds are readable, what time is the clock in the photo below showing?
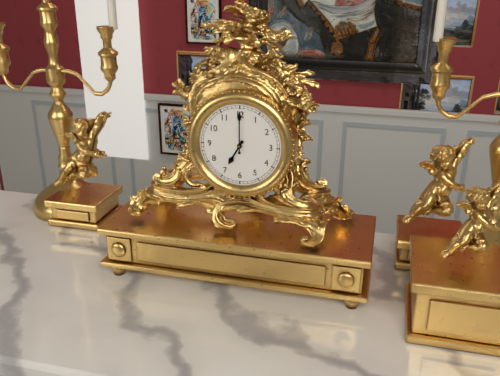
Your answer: **7:00**
